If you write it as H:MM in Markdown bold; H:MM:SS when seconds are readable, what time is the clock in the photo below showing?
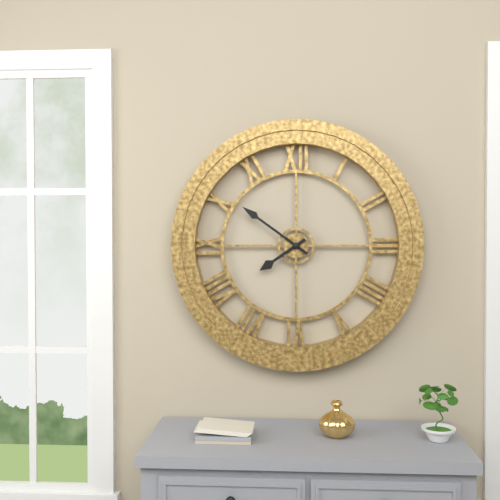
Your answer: **7:51**
